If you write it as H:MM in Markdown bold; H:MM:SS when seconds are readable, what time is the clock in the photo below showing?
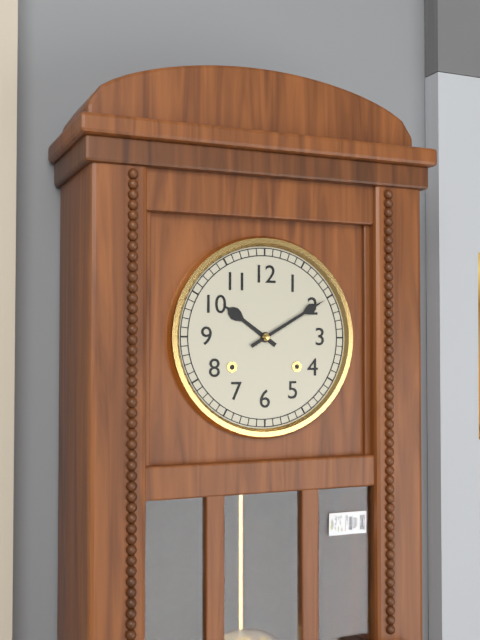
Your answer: **10:10**
